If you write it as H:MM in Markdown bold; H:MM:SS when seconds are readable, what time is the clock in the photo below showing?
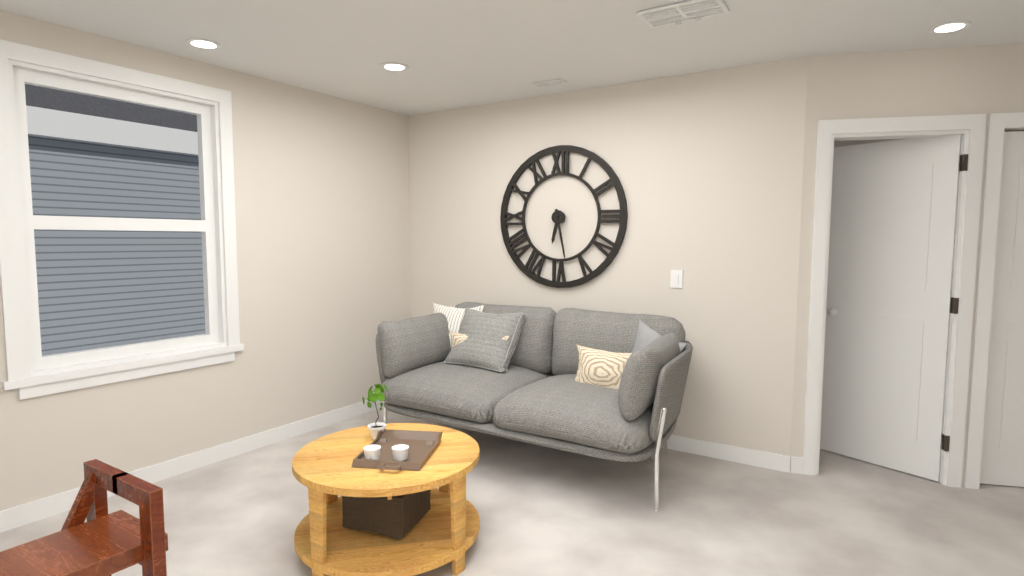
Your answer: **6:28**
